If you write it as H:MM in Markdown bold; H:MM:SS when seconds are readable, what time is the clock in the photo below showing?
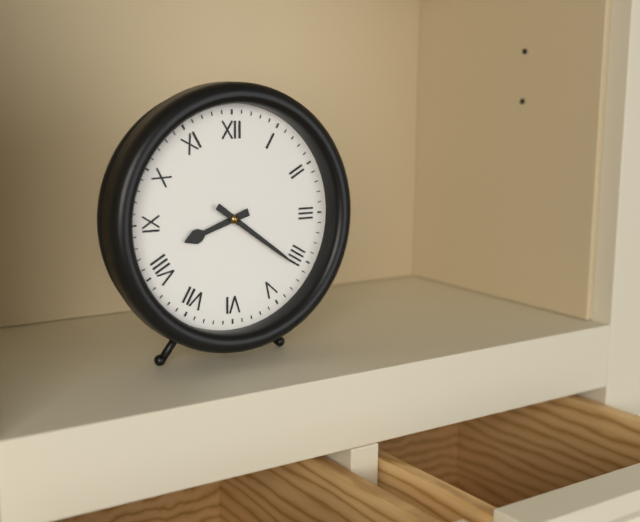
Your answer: **8:21**
